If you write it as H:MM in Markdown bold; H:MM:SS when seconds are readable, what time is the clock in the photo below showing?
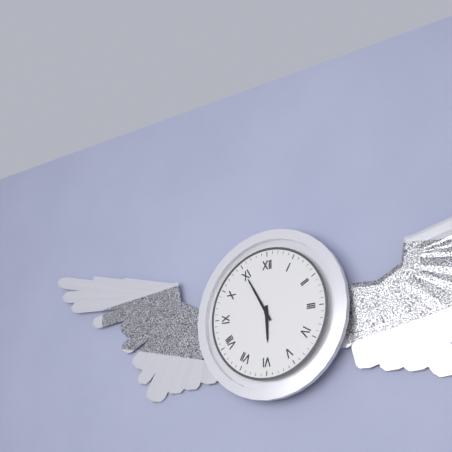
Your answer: **5:55**
